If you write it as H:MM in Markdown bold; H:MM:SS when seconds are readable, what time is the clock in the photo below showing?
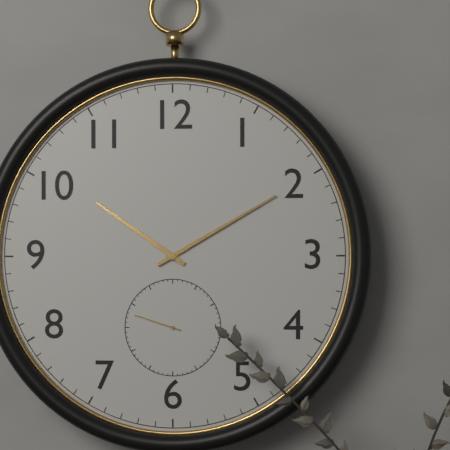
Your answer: **10:10:48**
